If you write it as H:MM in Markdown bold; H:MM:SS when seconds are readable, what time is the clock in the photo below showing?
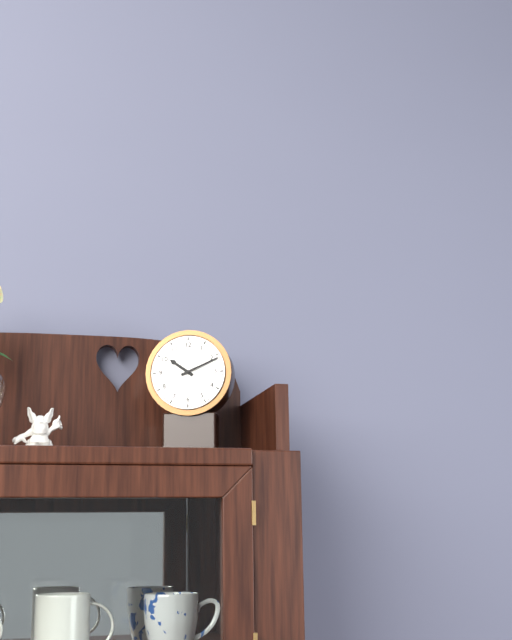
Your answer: **10:11**
